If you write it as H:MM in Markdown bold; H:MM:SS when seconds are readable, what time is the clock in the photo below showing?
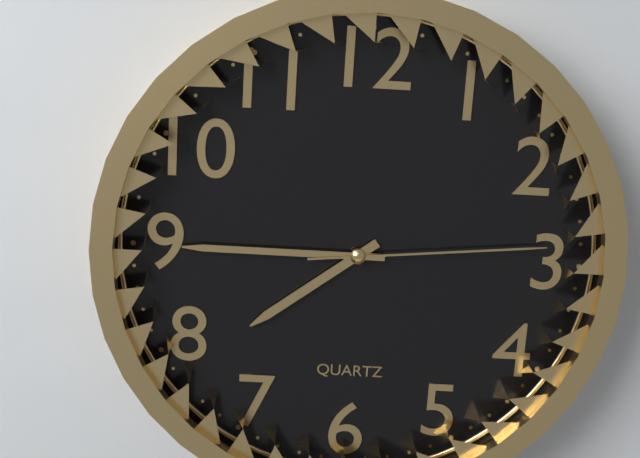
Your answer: **7:45:14**
